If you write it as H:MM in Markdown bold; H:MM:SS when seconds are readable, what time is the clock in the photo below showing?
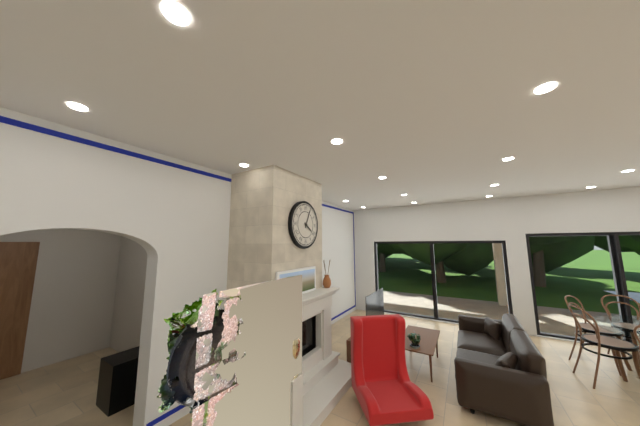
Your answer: **4:04**
